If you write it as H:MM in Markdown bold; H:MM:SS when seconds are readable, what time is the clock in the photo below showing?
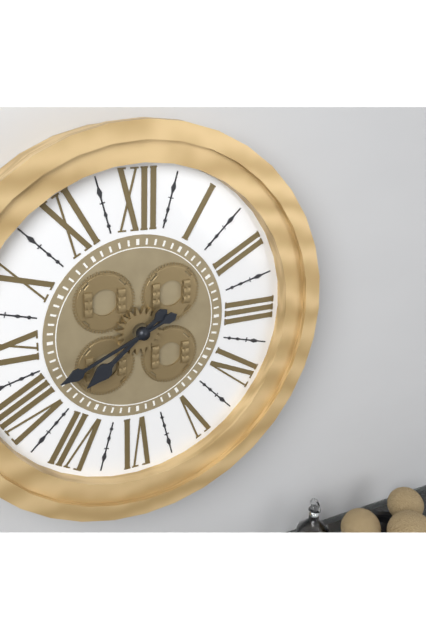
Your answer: **7:41**
